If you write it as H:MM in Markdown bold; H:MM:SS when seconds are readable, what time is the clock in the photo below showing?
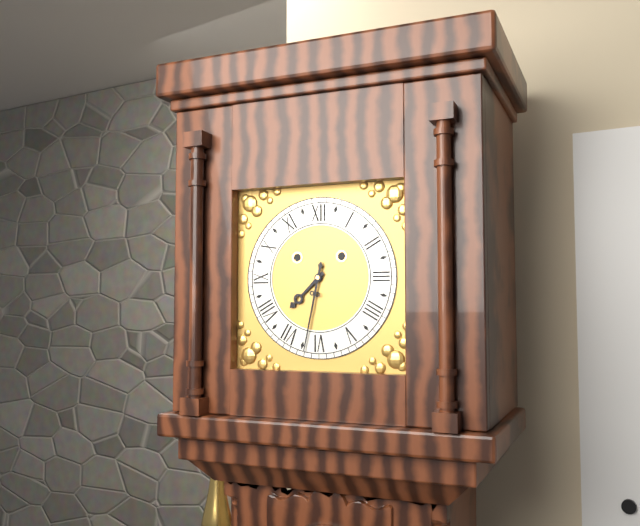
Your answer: **7:32**
